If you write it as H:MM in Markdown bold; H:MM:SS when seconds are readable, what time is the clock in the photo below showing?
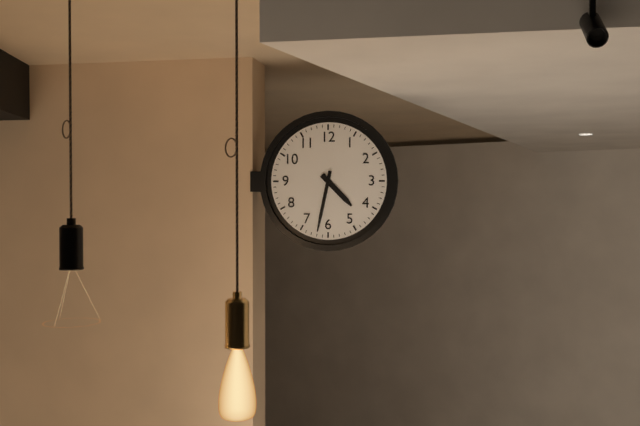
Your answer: **4:32**
